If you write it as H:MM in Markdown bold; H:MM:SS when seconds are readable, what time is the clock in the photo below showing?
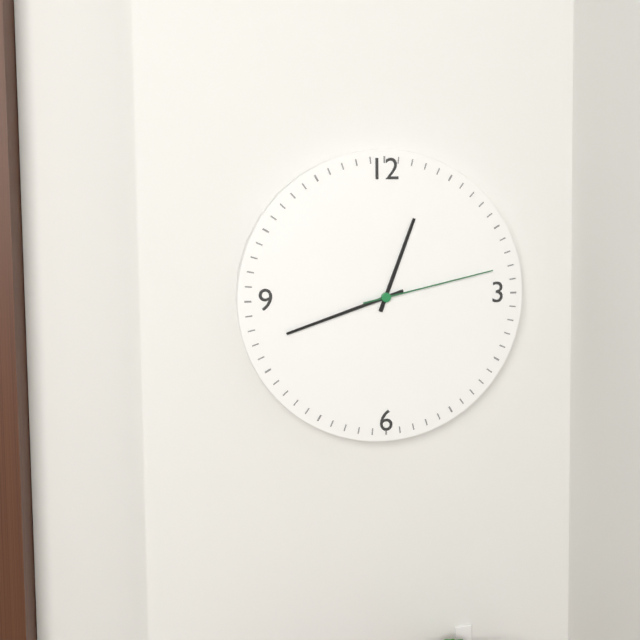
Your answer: **12:42:13**
